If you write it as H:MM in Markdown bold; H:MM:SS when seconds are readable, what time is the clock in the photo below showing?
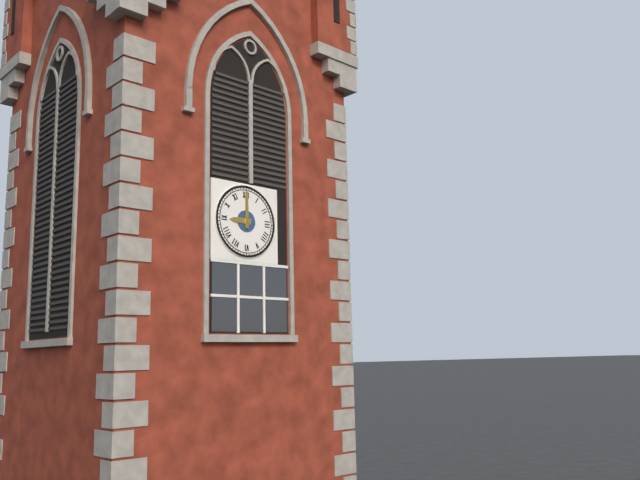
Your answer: **9:00**
